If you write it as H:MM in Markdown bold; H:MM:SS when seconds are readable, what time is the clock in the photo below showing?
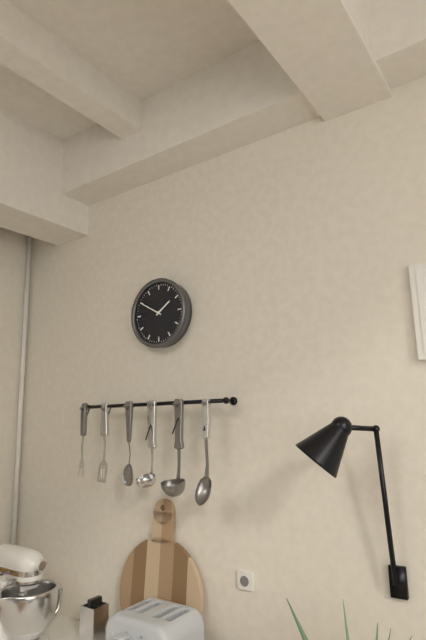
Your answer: **1:50**
